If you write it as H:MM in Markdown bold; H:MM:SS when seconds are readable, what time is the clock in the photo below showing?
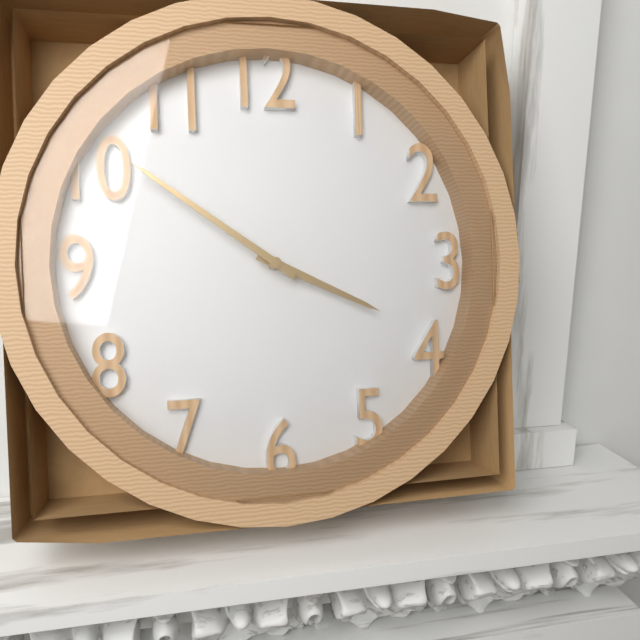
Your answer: **3:51**
